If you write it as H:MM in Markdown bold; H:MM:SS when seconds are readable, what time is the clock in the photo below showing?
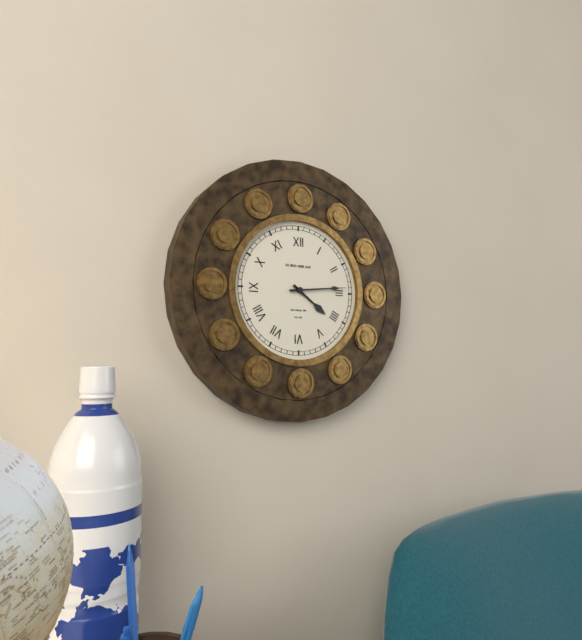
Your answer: **4:14**
